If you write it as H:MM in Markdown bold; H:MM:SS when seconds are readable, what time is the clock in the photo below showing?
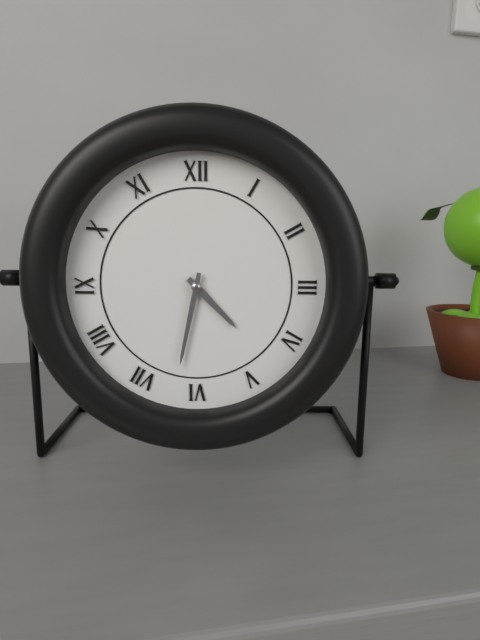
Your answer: **4:32**
